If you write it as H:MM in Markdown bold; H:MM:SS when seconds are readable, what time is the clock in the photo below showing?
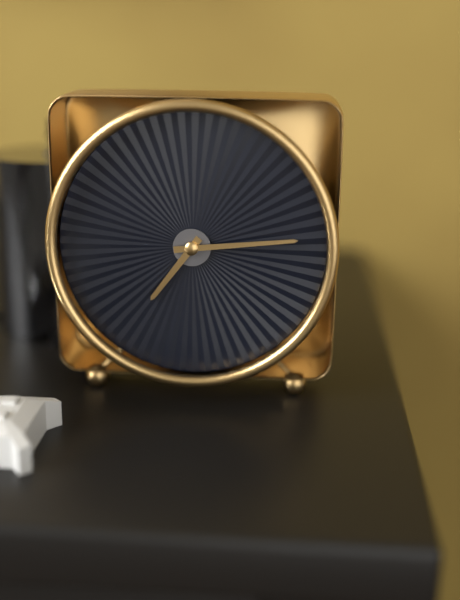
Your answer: **7:14**
